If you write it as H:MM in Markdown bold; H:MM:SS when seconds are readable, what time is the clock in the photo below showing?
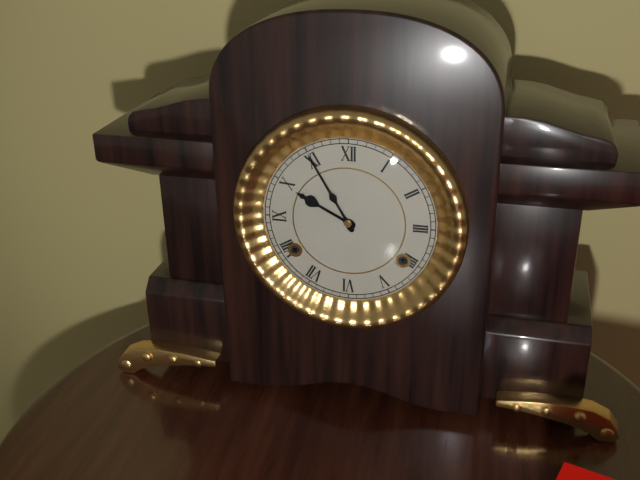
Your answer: **9:55**
